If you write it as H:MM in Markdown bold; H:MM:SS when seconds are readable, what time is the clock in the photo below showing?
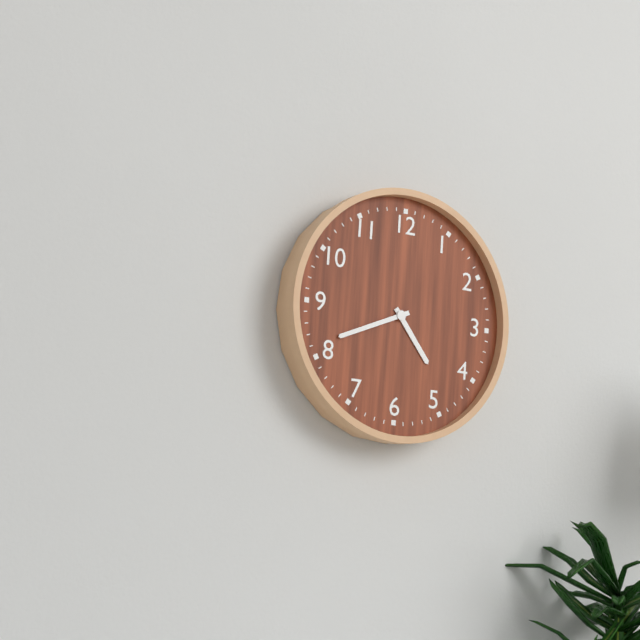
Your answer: **4:41**
